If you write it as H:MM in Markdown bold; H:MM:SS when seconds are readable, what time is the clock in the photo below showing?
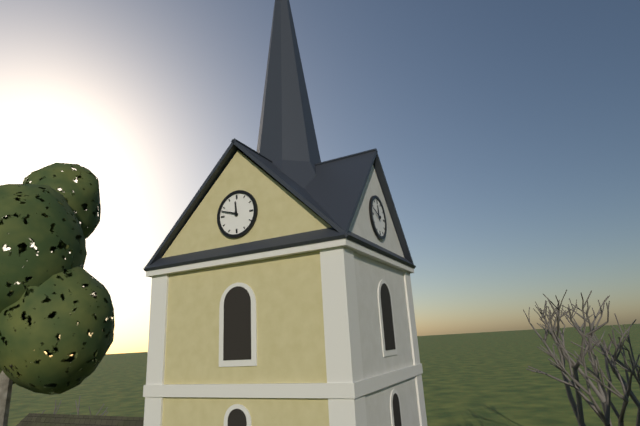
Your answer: **11:48**
